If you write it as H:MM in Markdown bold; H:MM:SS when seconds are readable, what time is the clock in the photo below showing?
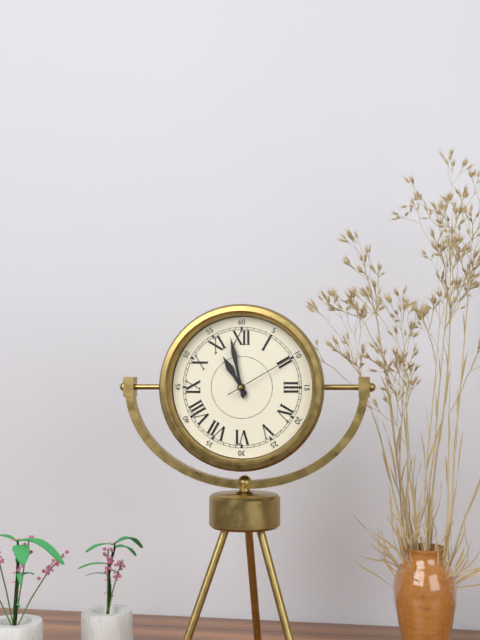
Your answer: **10:58:10**
